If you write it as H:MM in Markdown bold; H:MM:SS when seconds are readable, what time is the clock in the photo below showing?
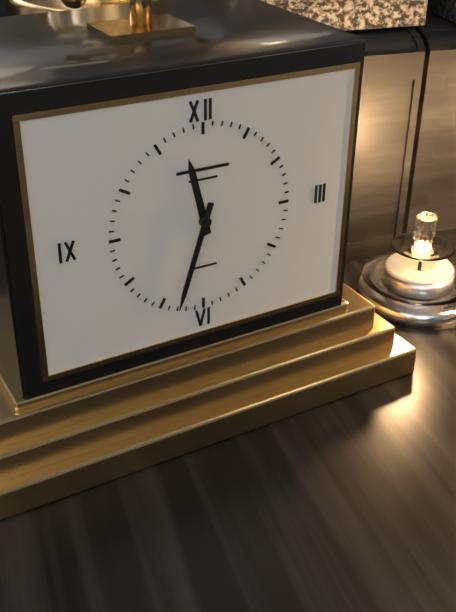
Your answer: **11:33**
